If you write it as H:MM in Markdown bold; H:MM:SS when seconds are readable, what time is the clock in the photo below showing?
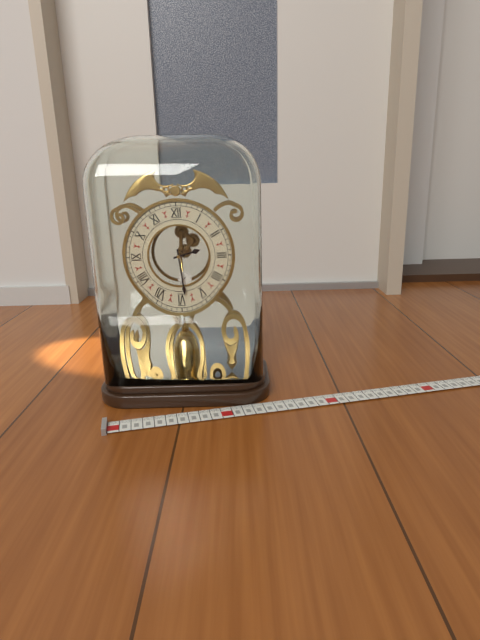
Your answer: **2:29**
